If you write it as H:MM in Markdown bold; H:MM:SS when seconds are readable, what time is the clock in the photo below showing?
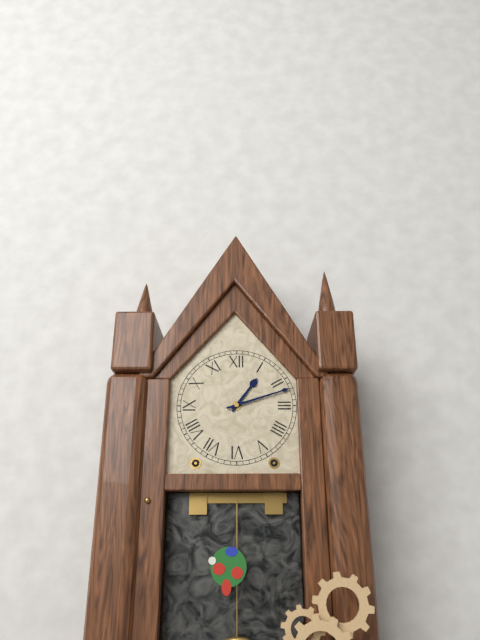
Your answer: **1:12**
